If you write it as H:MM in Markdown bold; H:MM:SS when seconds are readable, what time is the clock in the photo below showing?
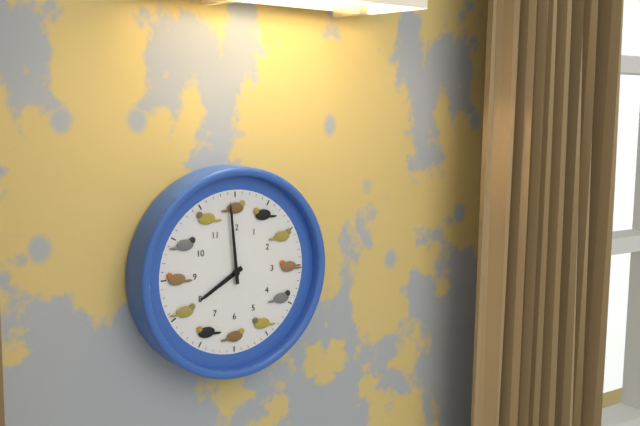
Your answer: **7:59**
